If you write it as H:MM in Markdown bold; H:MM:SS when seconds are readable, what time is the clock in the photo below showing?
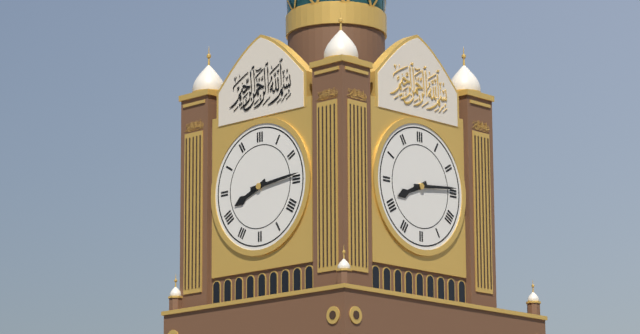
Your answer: **8:14**
